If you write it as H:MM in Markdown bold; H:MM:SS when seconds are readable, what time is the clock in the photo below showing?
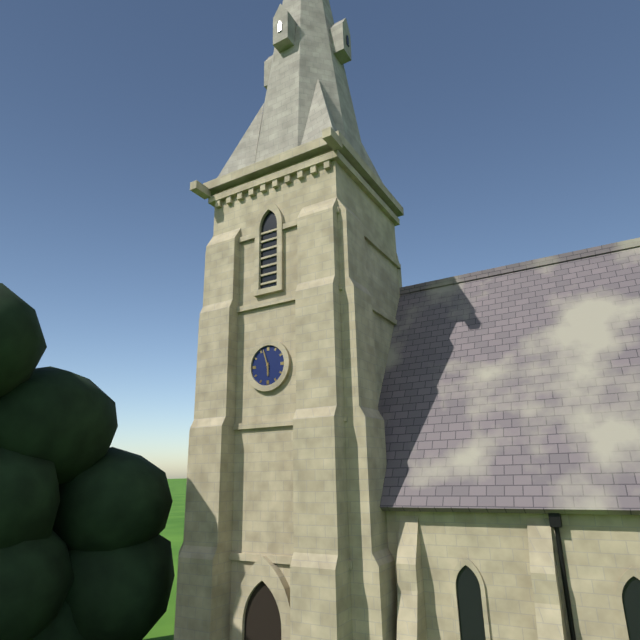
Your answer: **5:57**
